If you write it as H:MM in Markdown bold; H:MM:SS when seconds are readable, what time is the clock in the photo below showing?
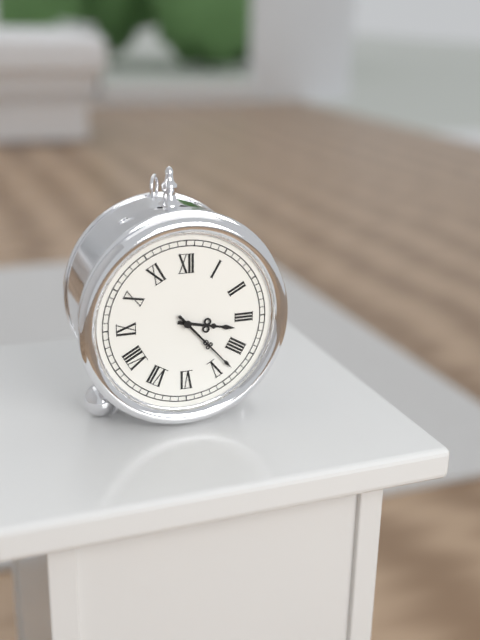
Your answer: **3:23:23**
